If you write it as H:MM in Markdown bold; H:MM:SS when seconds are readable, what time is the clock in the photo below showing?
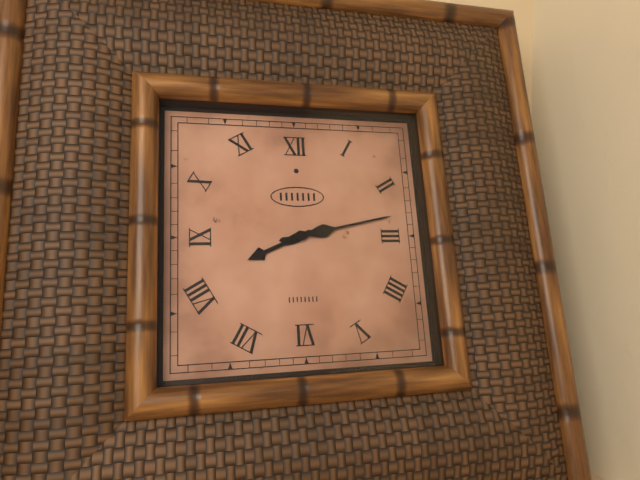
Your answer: **8:13**
